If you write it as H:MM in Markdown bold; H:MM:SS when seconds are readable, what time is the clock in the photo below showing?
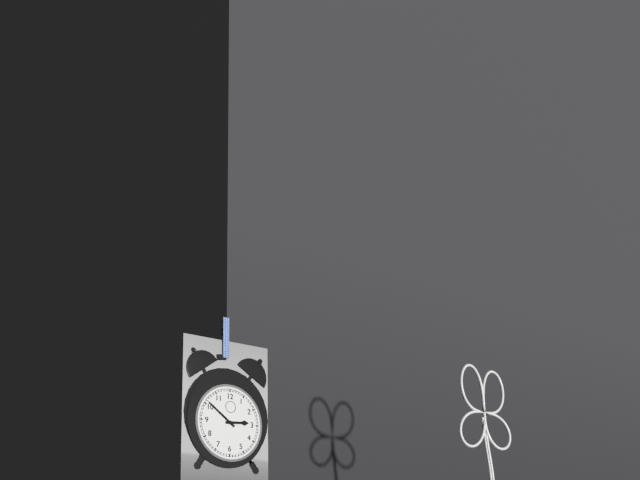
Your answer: **2:51**
